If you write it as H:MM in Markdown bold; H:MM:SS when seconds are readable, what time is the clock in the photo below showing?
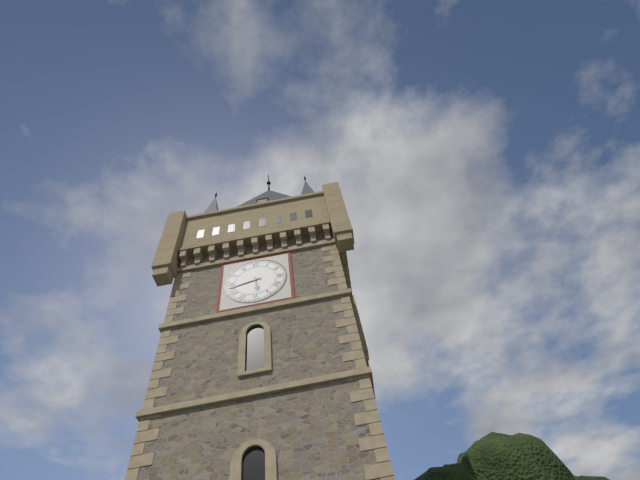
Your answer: **5:43**
